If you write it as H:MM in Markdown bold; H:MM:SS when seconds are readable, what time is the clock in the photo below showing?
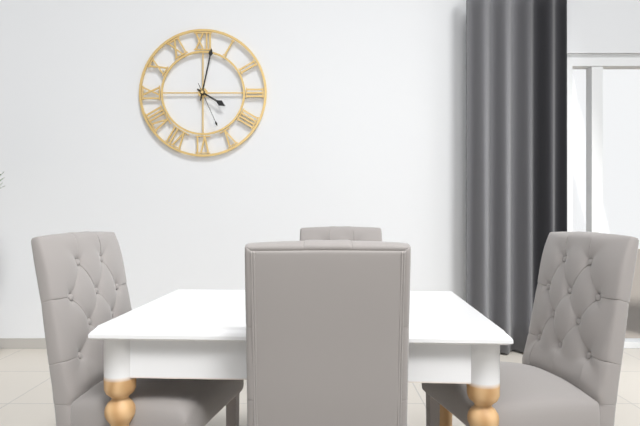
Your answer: **4:02**
